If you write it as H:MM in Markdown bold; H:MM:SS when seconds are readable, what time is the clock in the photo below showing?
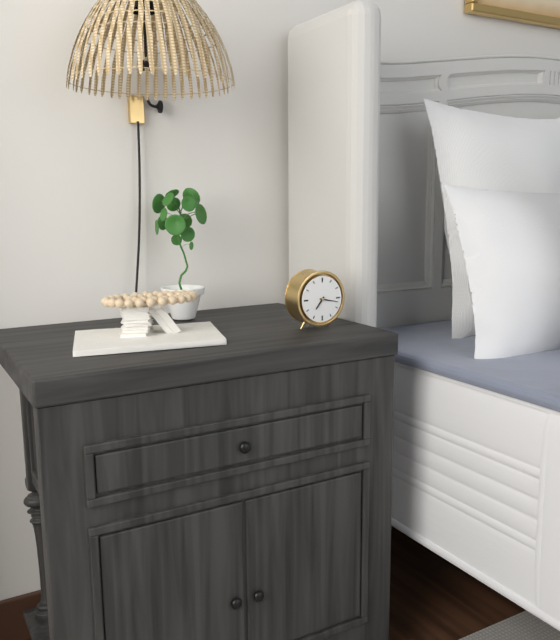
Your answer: **7:17**
